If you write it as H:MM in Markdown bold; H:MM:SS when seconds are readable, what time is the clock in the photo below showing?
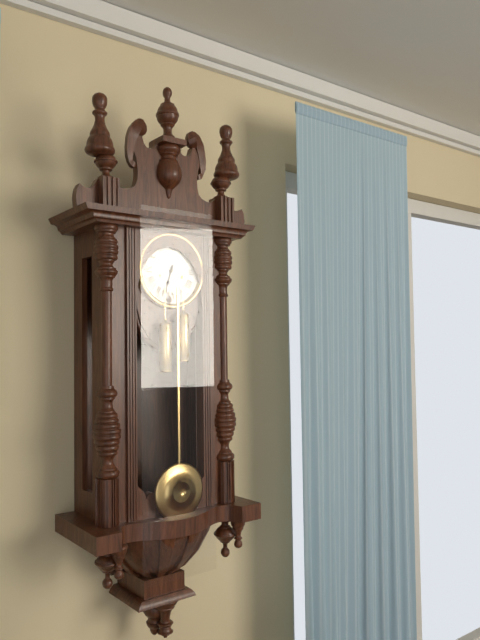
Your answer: **6:33**
